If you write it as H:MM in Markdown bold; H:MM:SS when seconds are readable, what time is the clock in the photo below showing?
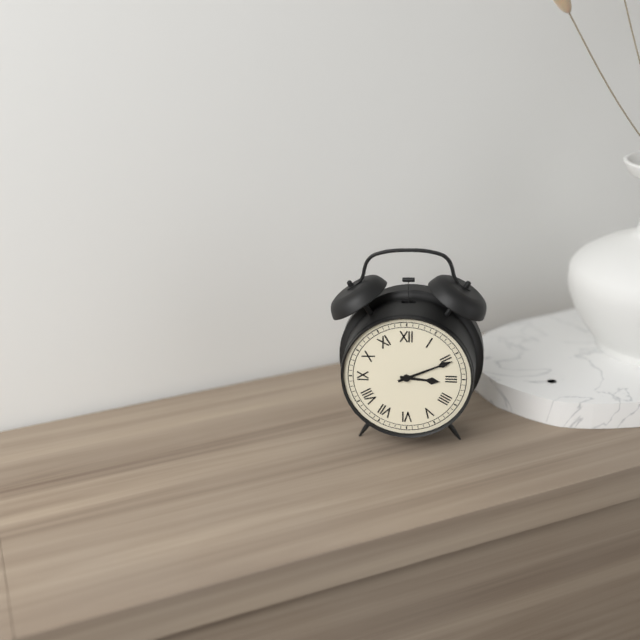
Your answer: **3:11**
